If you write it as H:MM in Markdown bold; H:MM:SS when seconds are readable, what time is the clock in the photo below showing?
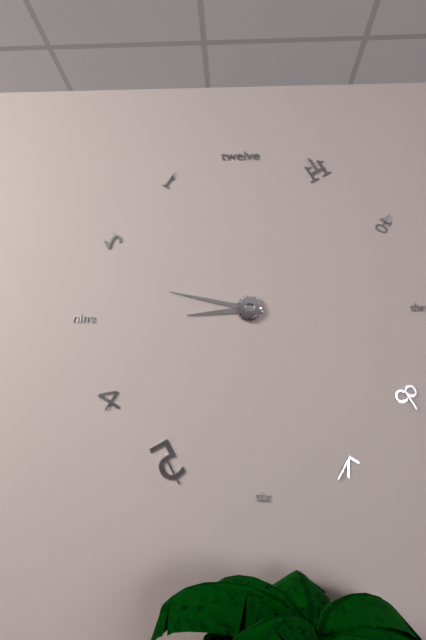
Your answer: **8:47**
